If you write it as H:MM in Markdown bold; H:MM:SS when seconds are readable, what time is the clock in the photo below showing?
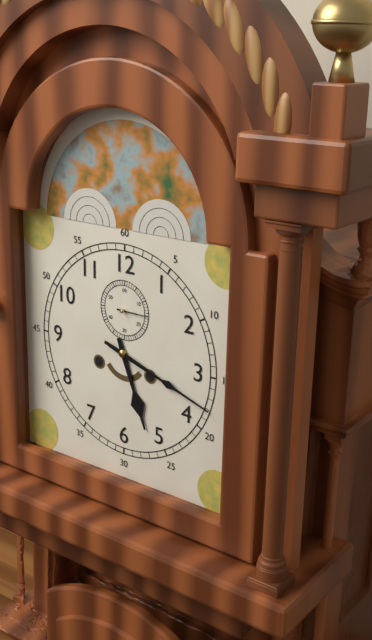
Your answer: **5:18**
